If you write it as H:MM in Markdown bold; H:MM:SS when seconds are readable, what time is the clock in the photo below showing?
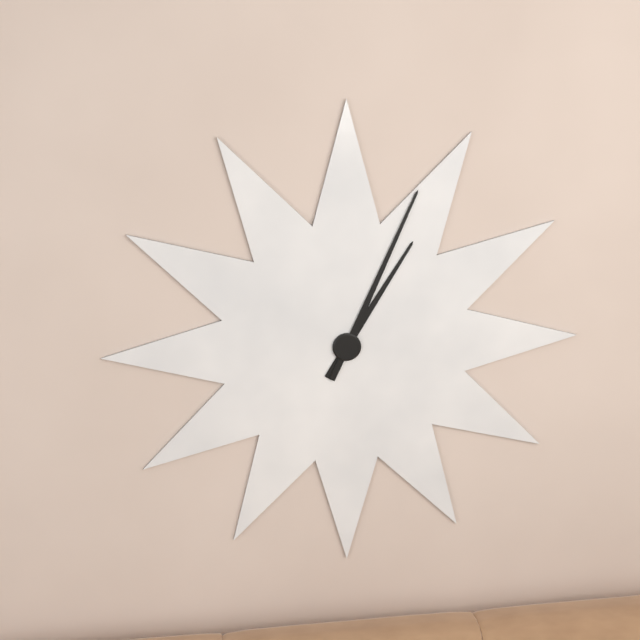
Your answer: **1:04**
